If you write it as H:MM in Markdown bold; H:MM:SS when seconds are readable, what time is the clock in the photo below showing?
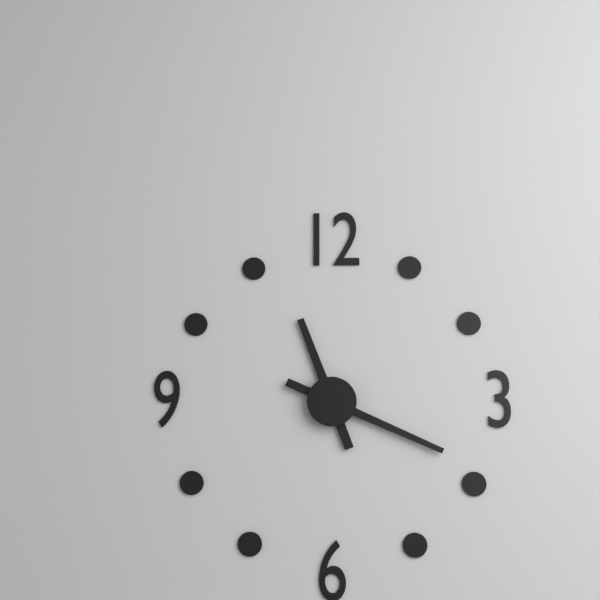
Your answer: **11:19**
